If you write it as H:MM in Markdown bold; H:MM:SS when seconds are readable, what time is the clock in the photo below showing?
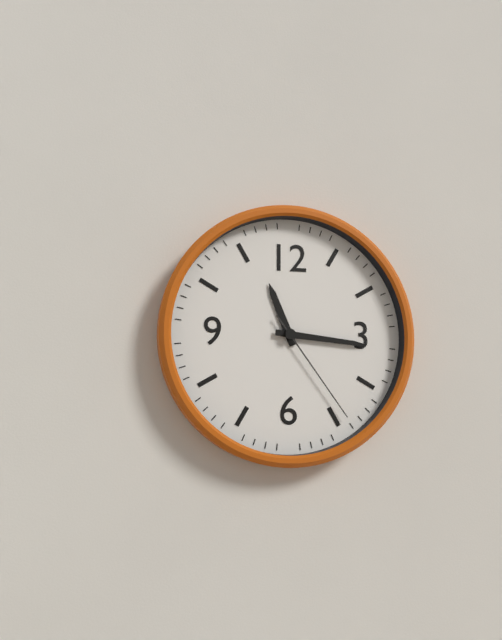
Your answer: **11:16:24**
